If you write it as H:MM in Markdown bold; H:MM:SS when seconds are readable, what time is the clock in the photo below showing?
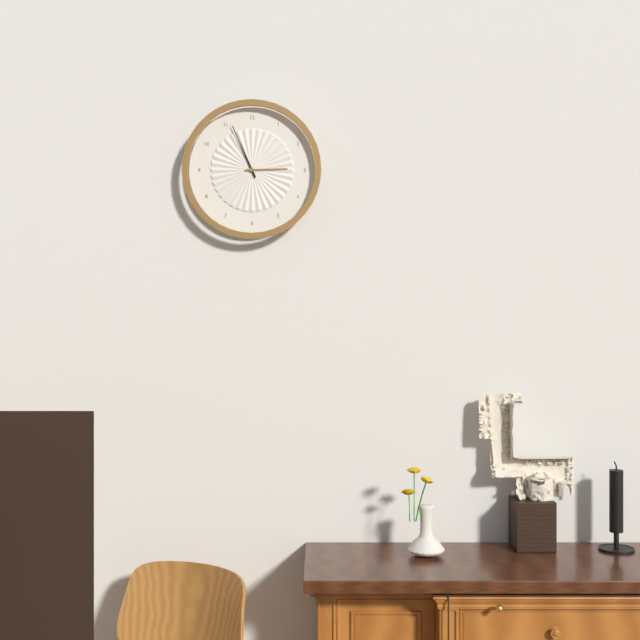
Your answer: **2:56**
